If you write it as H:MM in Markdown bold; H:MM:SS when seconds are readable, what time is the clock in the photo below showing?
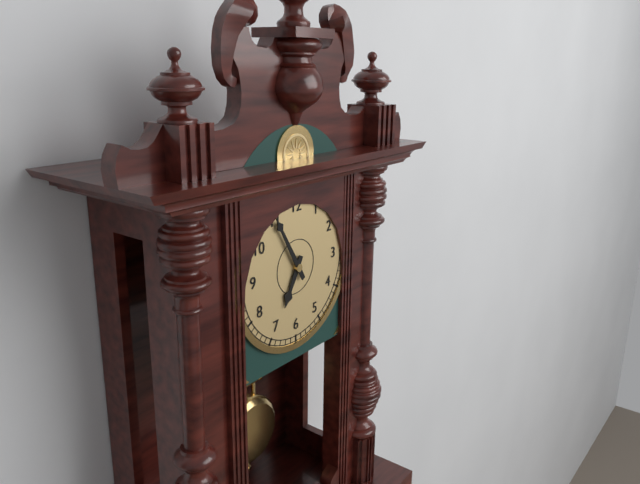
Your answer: **6:55**
